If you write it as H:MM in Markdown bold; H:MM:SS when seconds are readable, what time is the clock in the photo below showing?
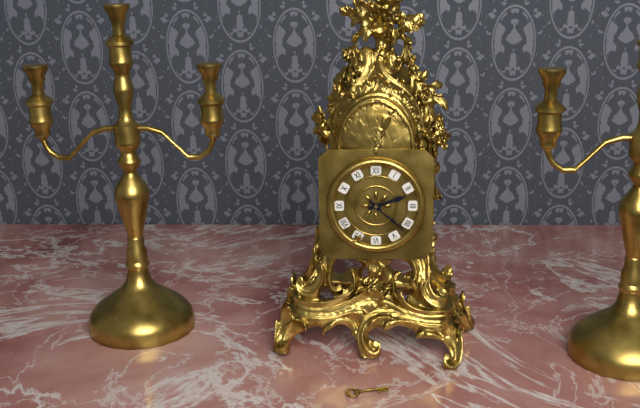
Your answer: **2:22**
